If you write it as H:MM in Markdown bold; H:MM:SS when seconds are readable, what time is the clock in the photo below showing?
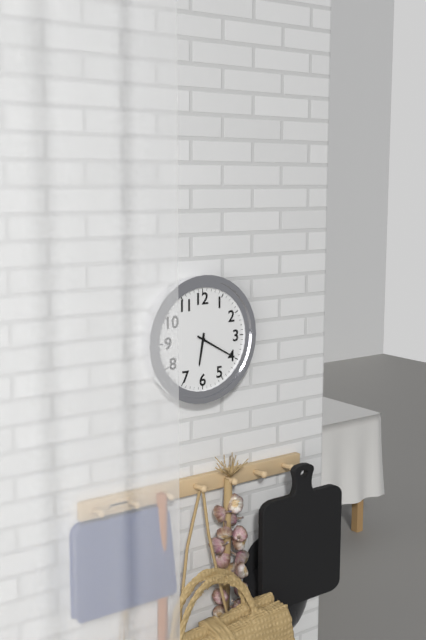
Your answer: **6:20**
